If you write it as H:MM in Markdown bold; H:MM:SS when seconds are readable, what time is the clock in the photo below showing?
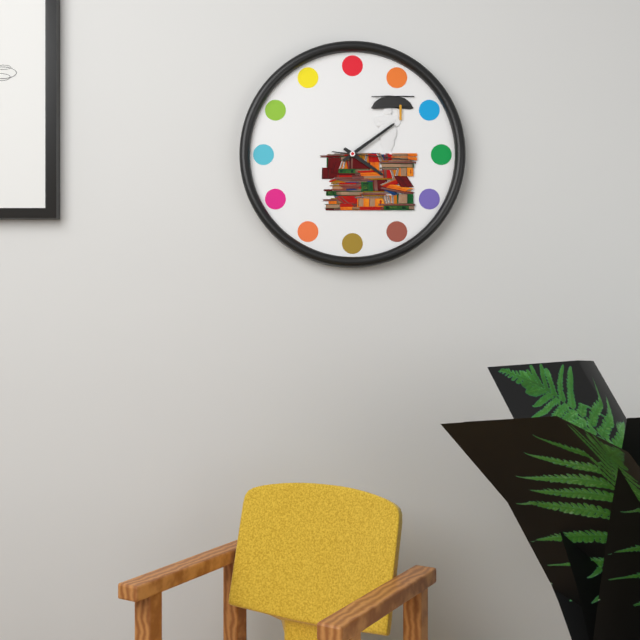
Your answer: **4:09:16**
